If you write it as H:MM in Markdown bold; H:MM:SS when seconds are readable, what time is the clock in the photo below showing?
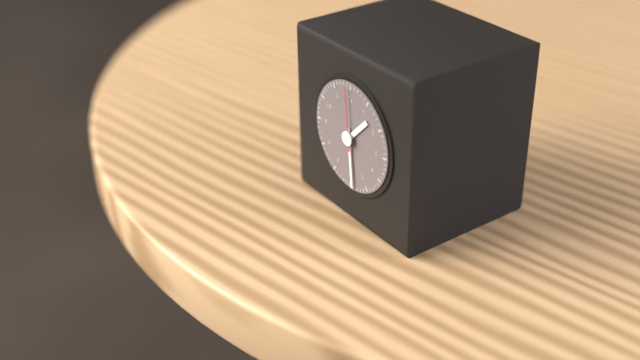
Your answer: **1:29:59**
